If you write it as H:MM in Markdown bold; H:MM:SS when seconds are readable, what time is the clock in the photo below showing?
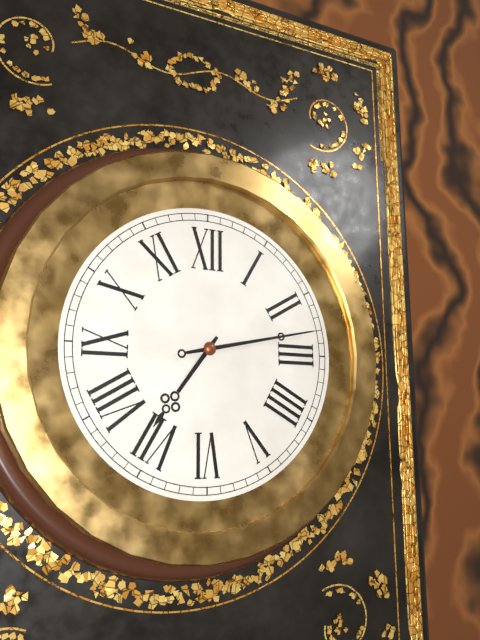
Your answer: **7:13**
